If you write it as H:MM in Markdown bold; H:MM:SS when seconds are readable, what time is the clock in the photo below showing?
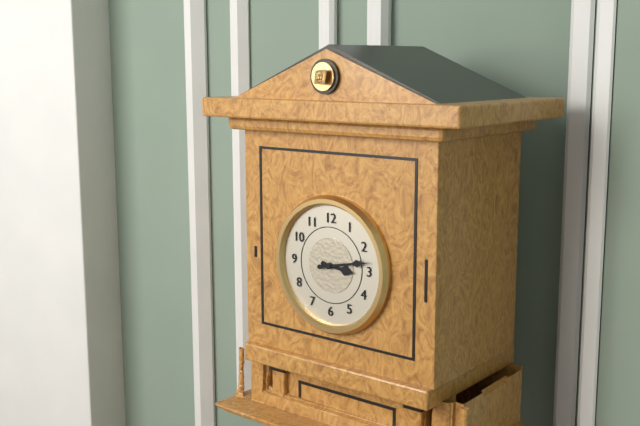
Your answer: **3:13**
